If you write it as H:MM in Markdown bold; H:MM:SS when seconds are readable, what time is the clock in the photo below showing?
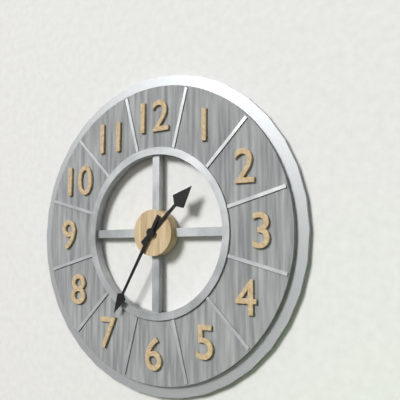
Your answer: **1:35**
